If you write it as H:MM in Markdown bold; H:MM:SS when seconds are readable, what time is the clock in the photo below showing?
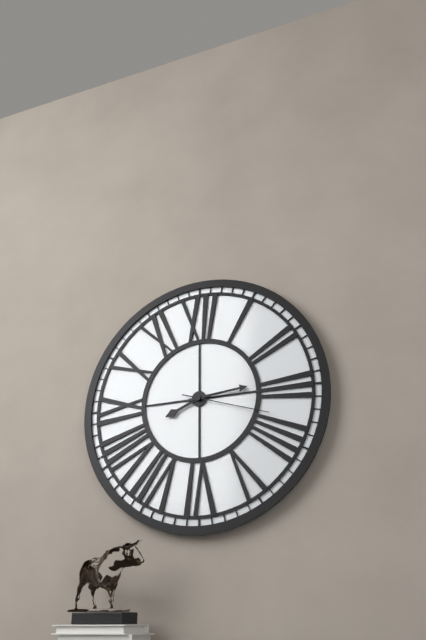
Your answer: **8:14:18**
